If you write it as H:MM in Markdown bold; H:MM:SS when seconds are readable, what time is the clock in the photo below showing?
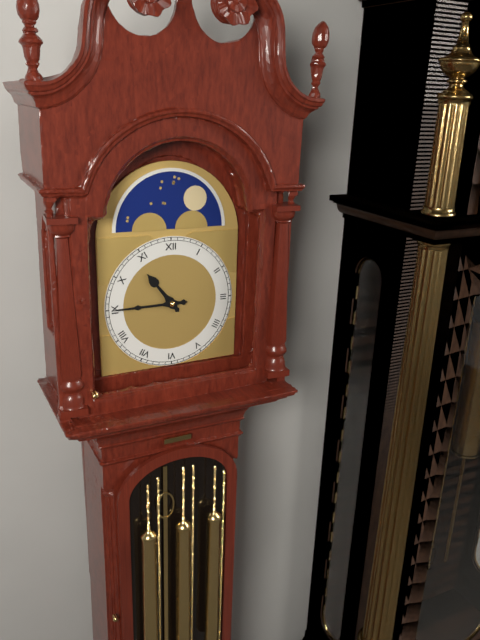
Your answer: **10:45**
